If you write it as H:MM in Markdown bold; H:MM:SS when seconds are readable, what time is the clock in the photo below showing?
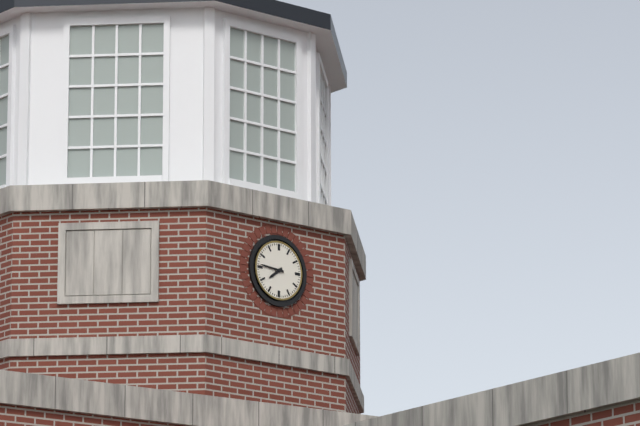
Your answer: **7:46**
